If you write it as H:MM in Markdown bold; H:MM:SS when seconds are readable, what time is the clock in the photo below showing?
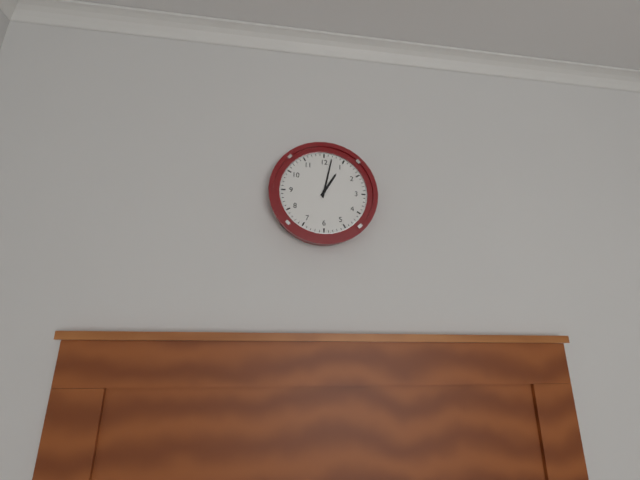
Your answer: **1:02**
